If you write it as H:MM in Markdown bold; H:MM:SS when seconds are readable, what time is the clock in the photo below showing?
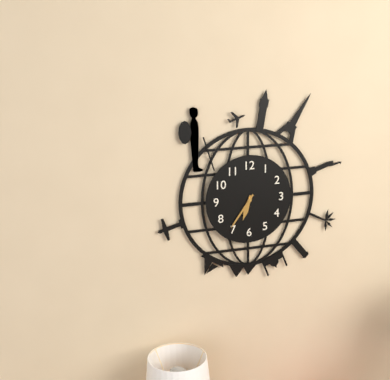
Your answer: **6:36**
